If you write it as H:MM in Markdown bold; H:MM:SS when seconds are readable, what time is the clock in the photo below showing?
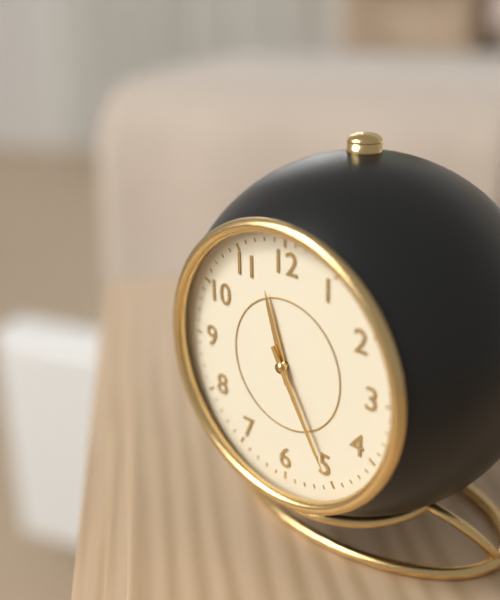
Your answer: **11:25**
